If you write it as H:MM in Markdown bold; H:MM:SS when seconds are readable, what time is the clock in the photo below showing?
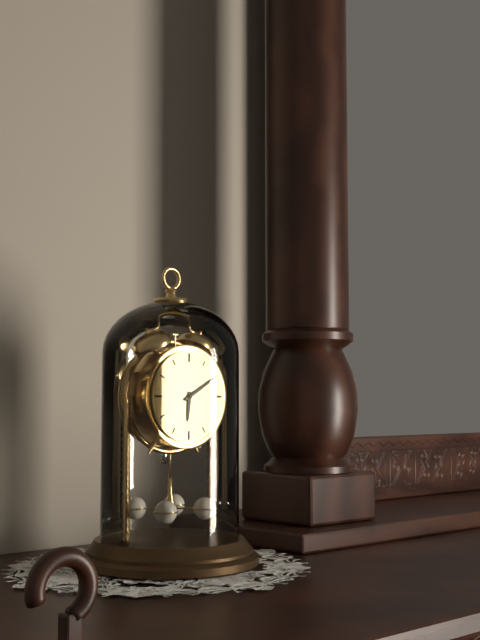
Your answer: **6:10**
